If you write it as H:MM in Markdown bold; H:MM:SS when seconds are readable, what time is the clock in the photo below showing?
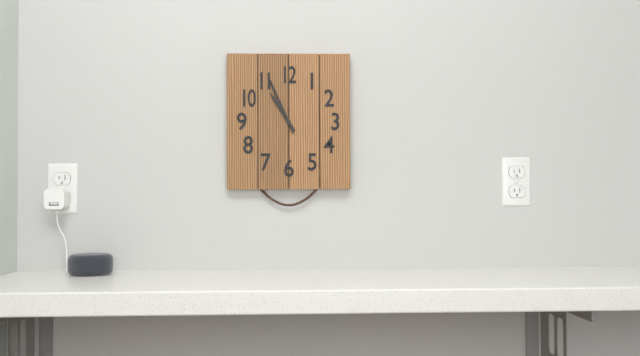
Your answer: **10:56**
